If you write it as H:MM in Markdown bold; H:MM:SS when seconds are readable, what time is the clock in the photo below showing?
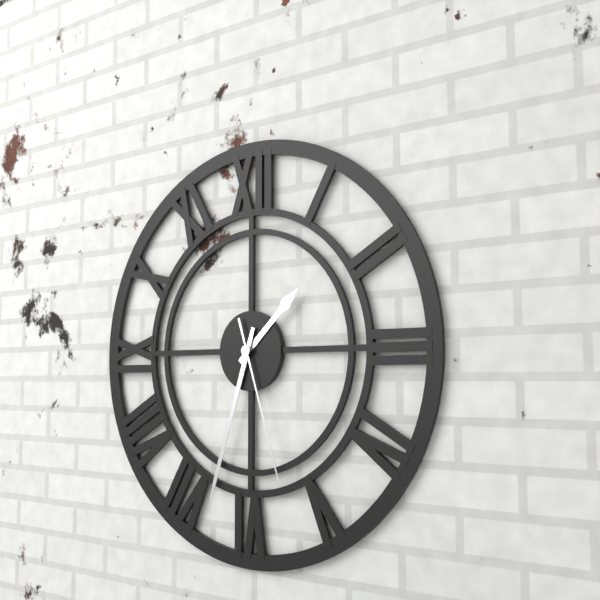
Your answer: **1:33:27**
